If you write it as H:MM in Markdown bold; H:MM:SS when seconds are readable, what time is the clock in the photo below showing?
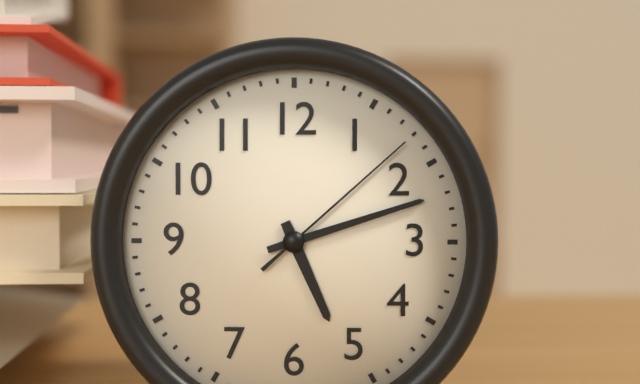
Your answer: **5:12:08**
